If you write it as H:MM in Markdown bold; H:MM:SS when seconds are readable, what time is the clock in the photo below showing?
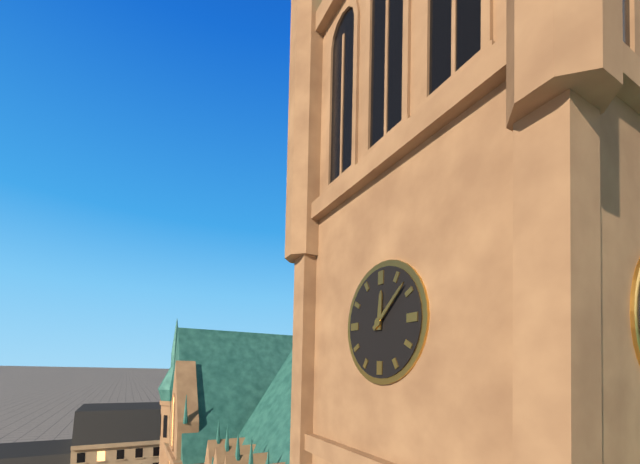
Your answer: **12:08**
